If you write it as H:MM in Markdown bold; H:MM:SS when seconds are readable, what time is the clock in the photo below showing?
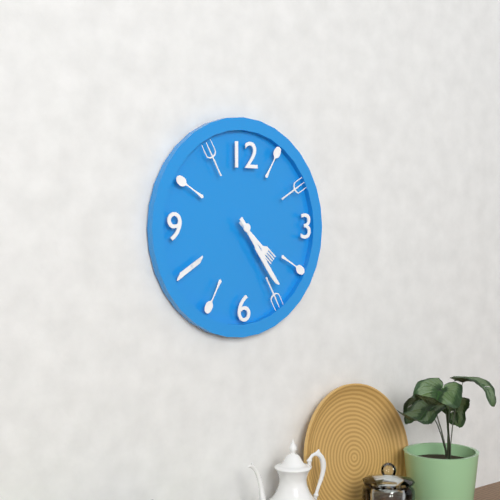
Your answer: **4:24**
